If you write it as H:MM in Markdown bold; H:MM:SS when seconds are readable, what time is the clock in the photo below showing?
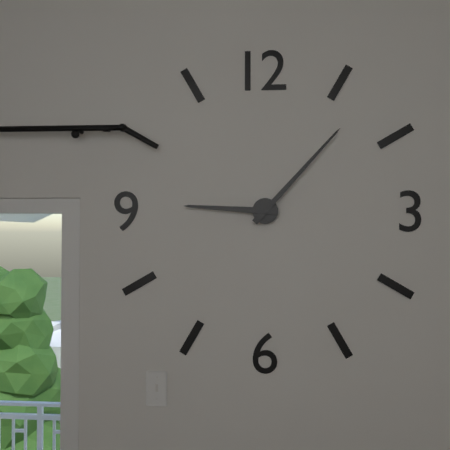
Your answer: **9:07**
